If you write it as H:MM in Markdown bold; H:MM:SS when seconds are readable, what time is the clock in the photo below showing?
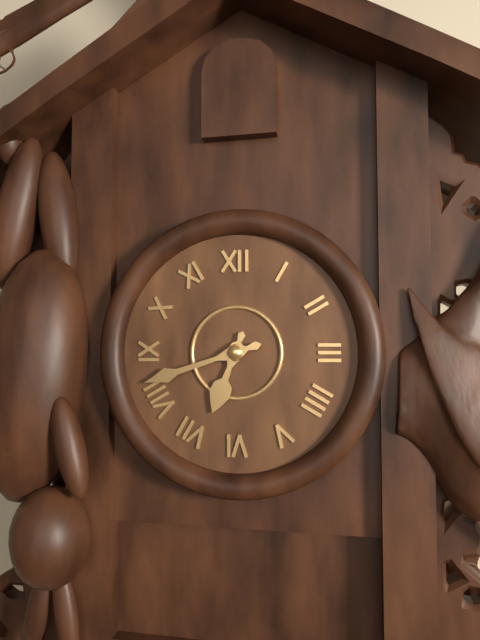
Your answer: **6:42**
